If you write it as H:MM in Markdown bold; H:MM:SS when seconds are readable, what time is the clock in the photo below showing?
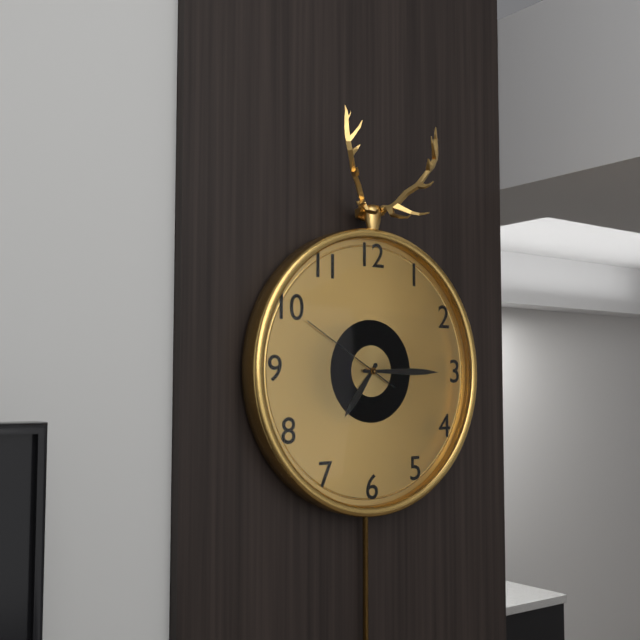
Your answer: **7:15:50**
